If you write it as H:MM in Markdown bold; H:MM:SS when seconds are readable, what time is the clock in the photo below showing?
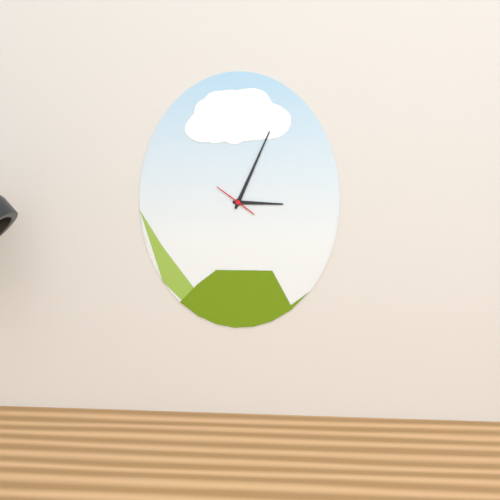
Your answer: **3:04**
